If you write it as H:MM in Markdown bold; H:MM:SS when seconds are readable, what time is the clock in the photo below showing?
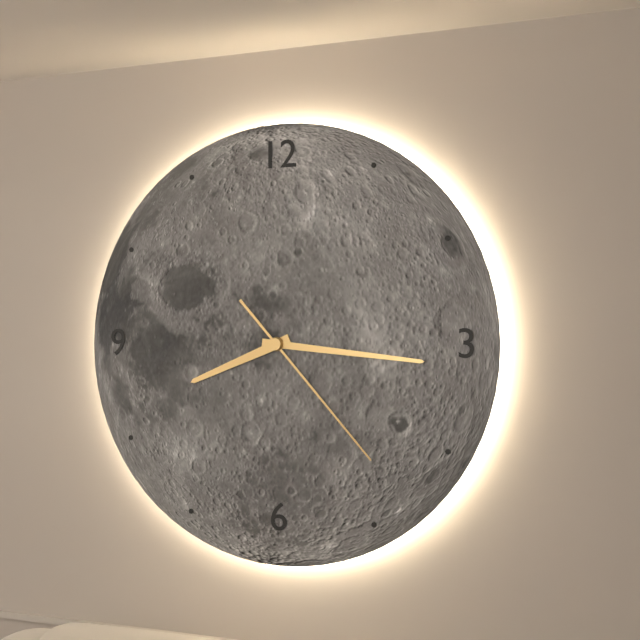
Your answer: **8:16:23**
